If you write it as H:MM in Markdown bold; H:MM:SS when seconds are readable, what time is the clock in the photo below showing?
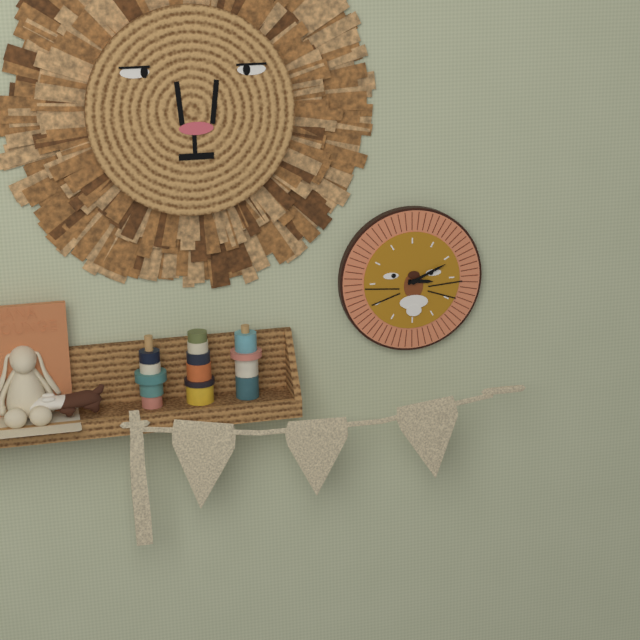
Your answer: **3:11**
